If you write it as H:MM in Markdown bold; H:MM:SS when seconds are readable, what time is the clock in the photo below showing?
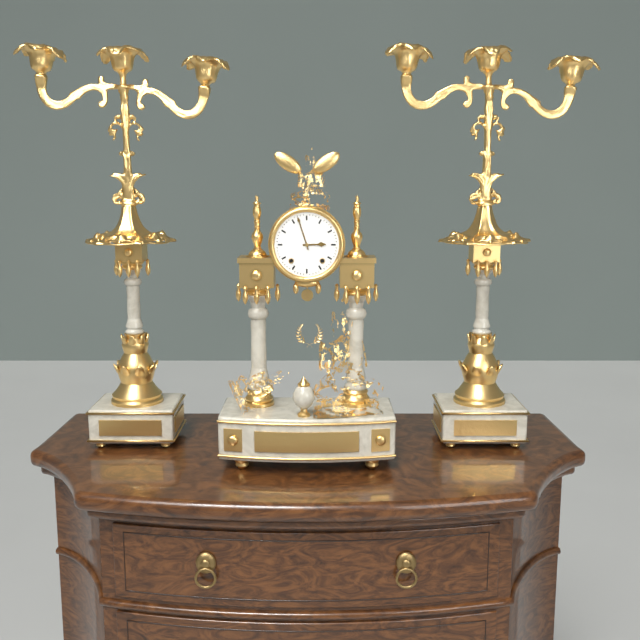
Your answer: **2:57**
